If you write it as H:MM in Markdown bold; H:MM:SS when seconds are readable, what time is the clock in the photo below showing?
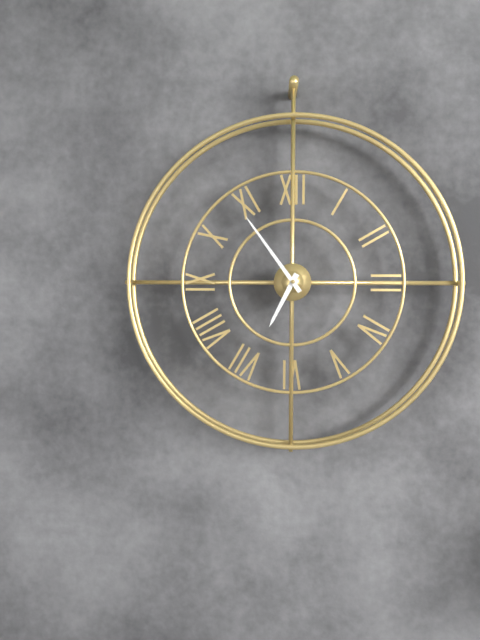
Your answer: **6:54**
